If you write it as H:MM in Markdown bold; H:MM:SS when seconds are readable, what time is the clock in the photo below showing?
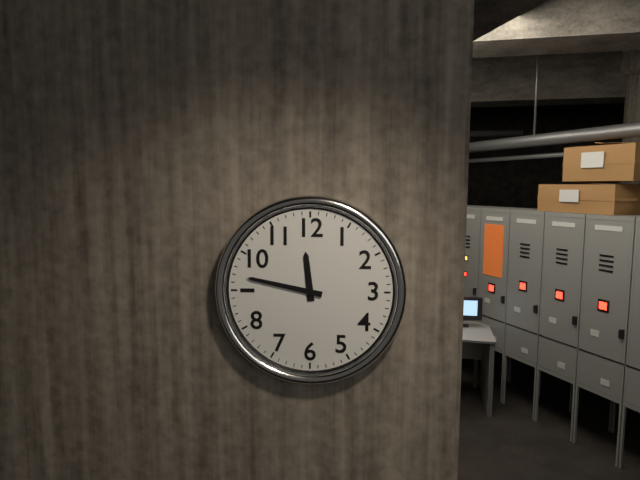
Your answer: **11:47**
